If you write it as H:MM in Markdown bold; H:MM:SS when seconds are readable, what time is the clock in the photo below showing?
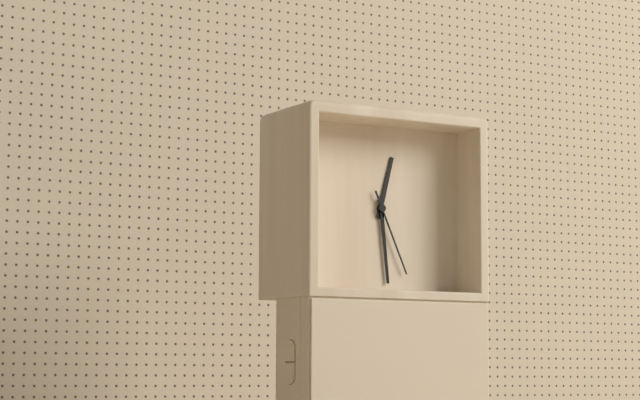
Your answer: **12:29:26**
